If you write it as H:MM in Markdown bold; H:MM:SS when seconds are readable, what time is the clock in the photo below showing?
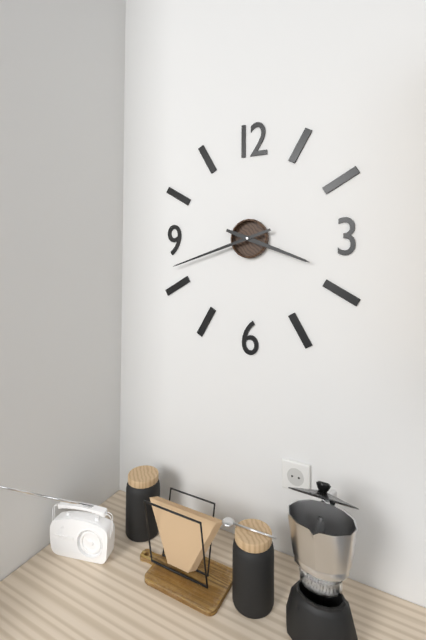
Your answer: **3:42**
